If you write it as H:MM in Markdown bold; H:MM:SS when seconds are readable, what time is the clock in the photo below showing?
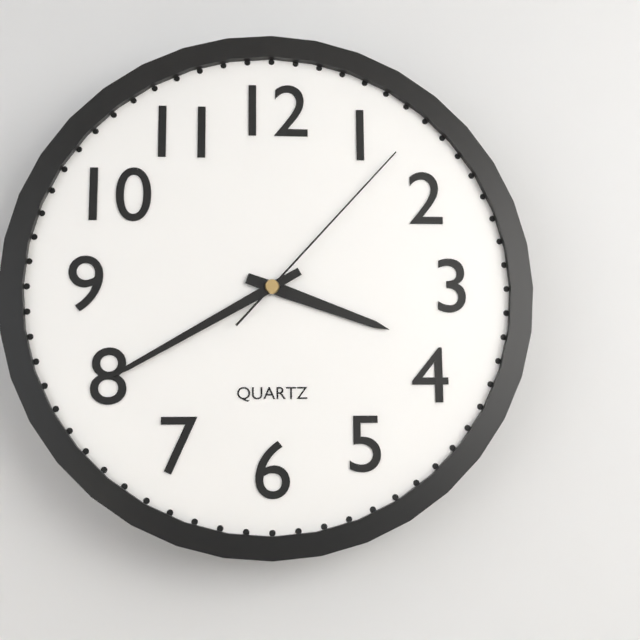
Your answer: **3:40:07**
